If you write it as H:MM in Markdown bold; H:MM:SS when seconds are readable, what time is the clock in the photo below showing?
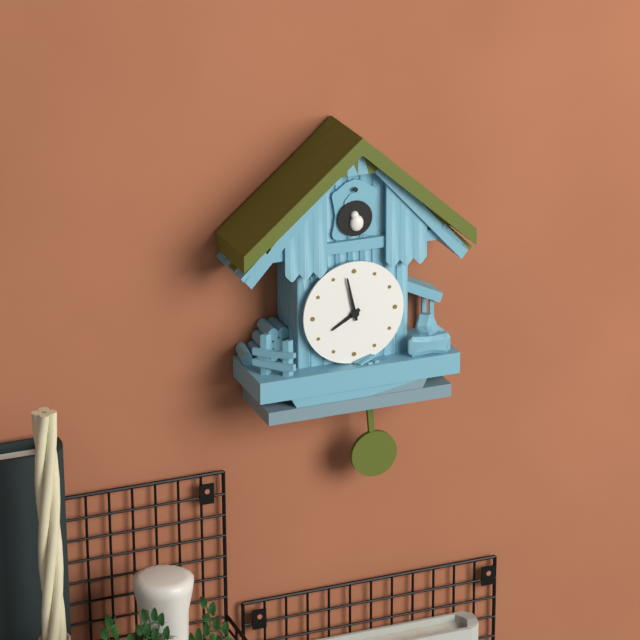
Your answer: **7:58**
